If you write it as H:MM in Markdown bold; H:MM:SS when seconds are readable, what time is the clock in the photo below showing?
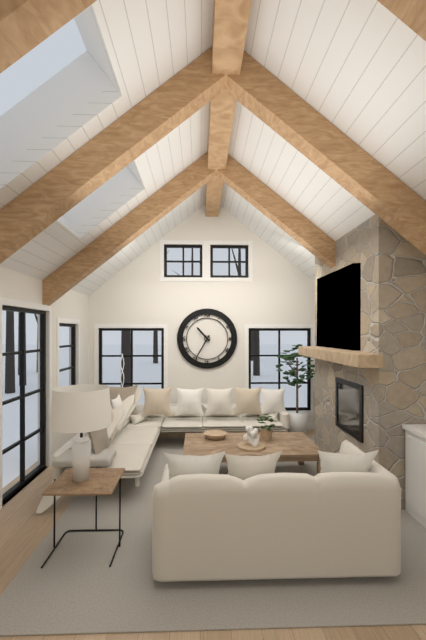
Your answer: **10:35**
